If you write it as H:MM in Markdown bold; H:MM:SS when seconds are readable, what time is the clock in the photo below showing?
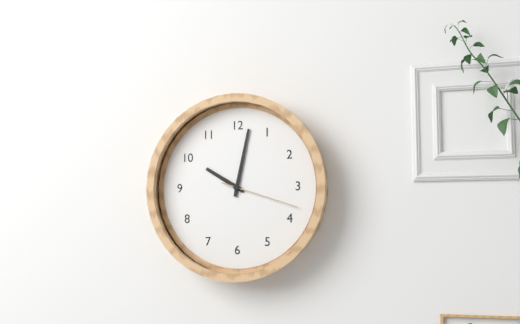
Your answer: **10:02:18**
